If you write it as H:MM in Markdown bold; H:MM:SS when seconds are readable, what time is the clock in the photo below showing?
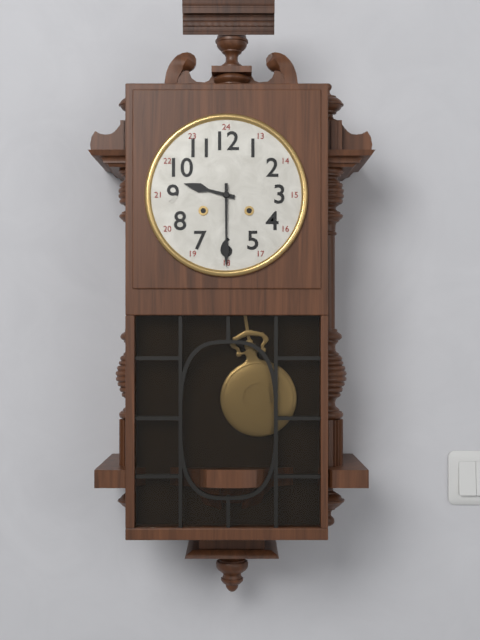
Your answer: **9:30**
